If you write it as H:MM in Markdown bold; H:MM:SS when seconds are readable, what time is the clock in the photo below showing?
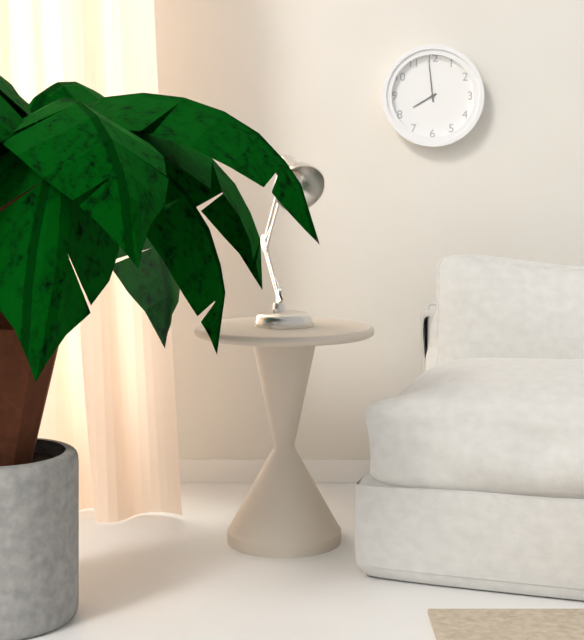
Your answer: **7:59**
